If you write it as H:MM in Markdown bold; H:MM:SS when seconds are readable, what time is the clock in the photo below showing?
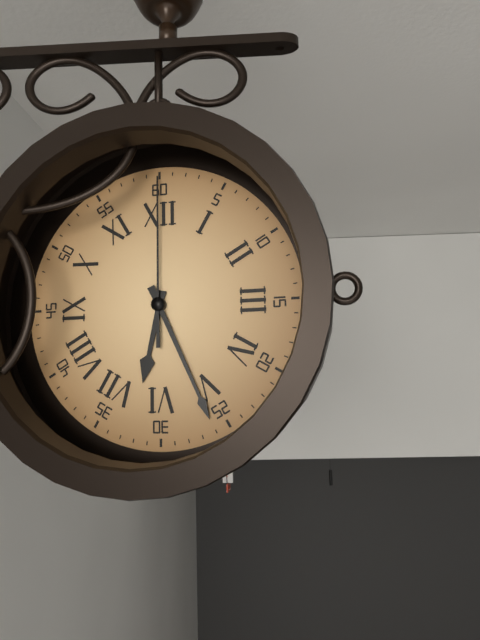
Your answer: **6:26:00**
